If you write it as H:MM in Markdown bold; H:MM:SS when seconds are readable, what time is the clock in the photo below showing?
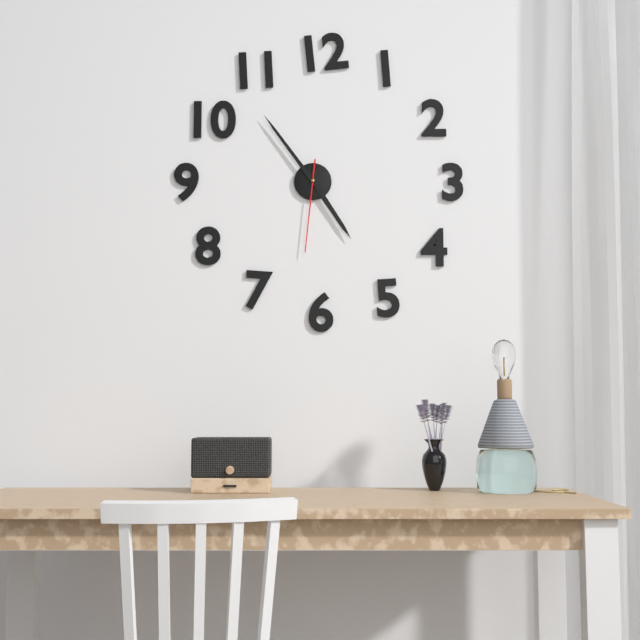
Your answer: **4:54:31**
